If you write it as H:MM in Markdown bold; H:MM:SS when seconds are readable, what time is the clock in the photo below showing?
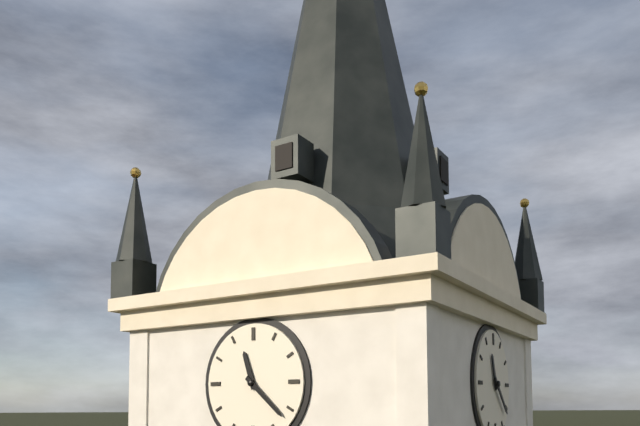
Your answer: **11:22**
